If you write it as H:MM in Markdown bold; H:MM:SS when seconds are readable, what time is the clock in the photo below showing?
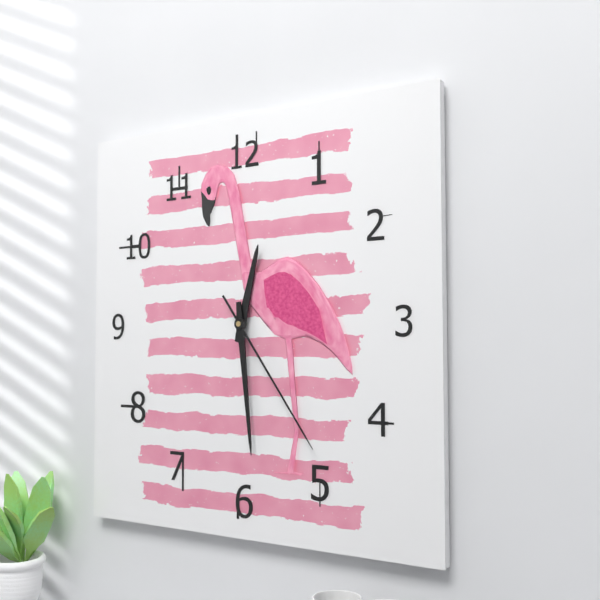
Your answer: **12:29:24**
